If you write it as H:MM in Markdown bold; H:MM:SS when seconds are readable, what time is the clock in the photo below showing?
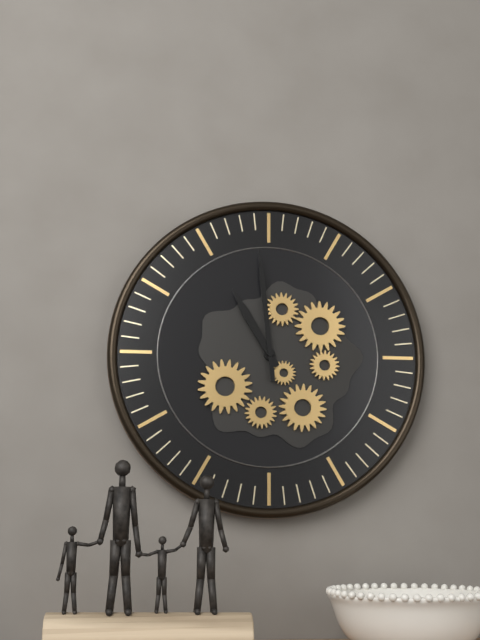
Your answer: **10:59**
